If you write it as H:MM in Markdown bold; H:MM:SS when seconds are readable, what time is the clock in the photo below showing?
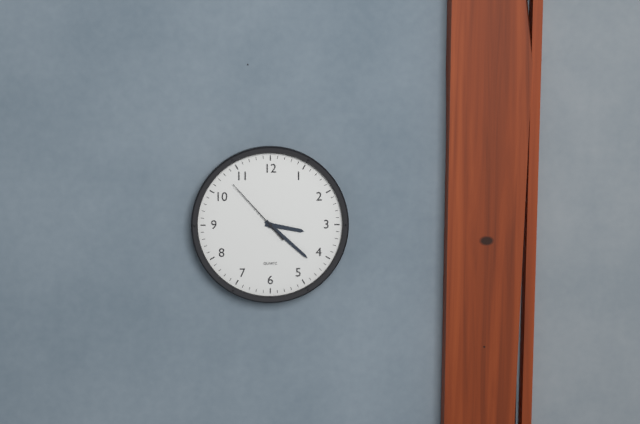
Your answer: **3:22:53**
